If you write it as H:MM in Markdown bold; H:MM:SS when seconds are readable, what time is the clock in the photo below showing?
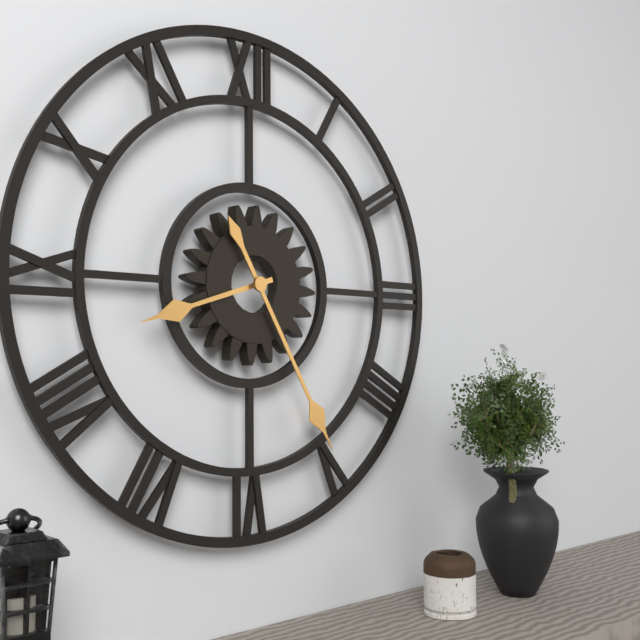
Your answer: **8:25**
